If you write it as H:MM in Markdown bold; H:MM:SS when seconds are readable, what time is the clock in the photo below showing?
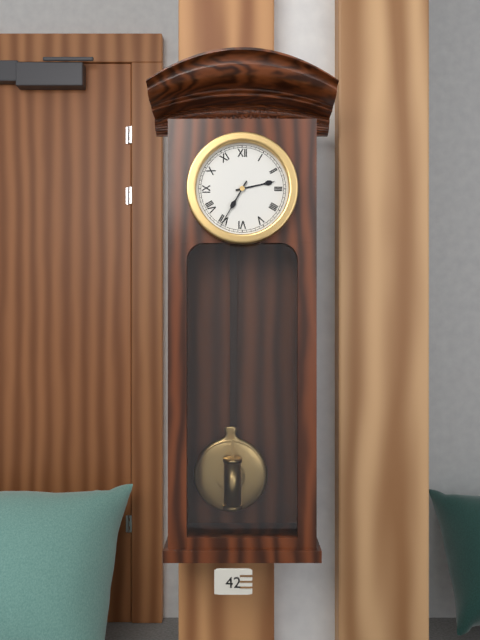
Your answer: **2:35**
